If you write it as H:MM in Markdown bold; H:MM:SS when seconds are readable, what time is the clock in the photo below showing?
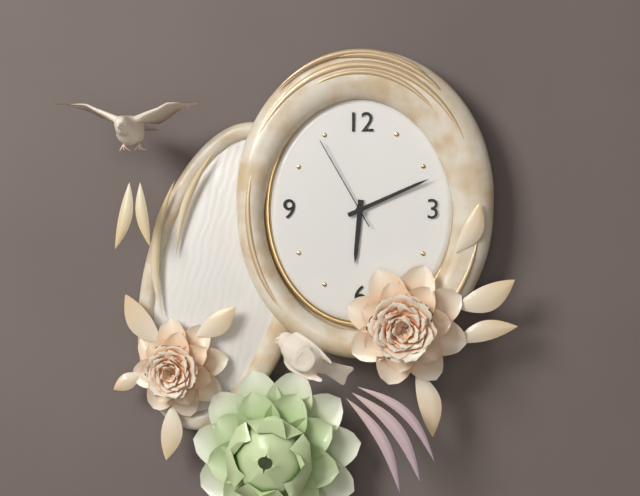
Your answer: **6:11:55**
